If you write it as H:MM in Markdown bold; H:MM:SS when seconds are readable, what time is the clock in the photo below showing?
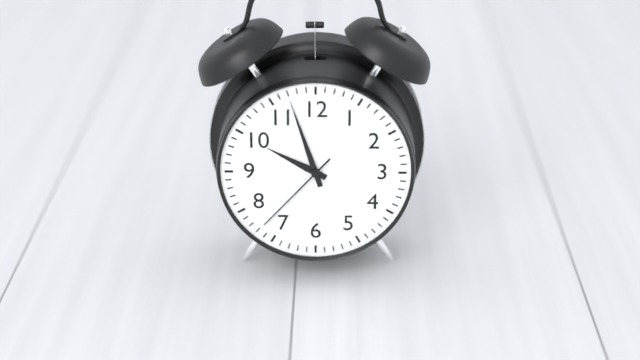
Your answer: **9:57:37**
